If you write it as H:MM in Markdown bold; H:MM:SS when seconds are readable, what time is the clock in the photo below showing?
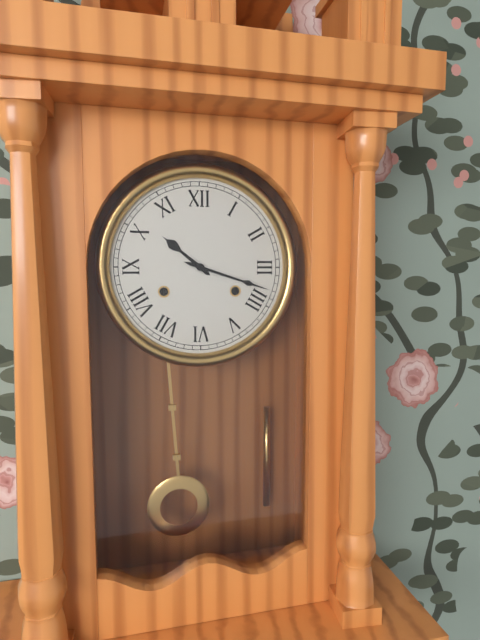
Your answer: **10:18**
